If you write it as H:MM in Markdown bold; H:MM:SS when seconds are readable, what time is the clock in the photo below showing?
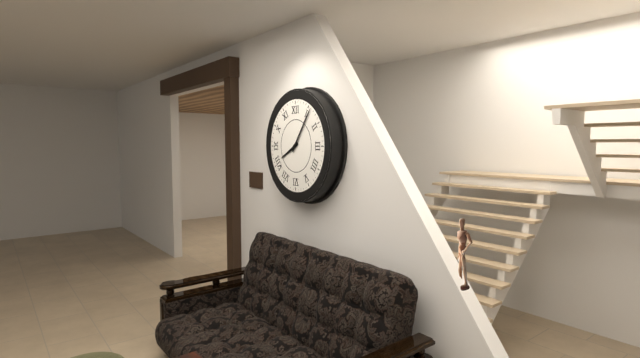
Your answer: **8:06**
